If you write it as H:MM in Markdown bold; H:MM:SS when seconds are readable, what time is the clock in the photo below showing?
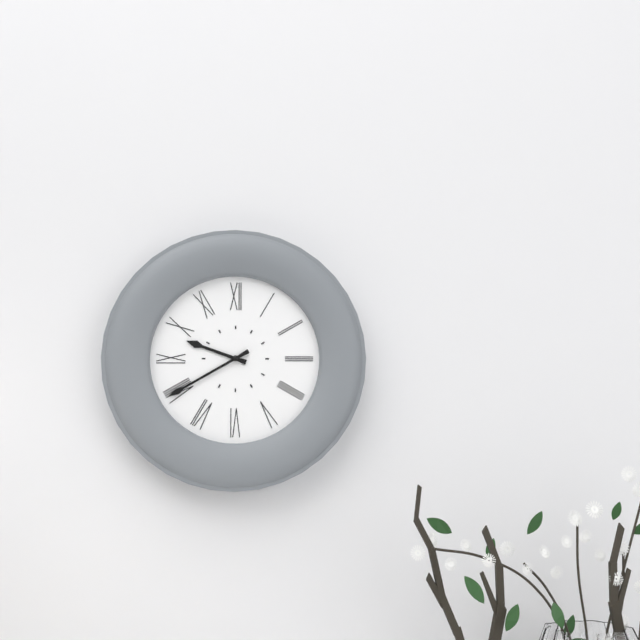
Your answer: **9:40**
